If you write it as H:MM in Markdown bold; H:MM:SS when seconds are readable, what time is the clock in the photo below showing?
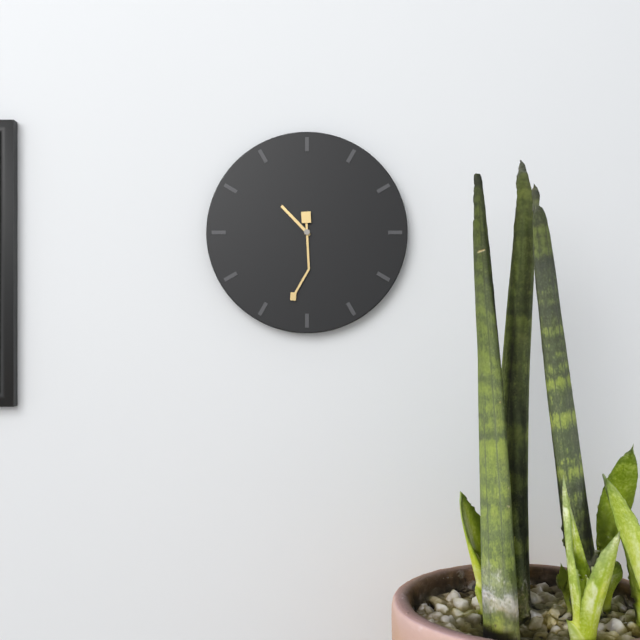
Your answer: **10:32**
